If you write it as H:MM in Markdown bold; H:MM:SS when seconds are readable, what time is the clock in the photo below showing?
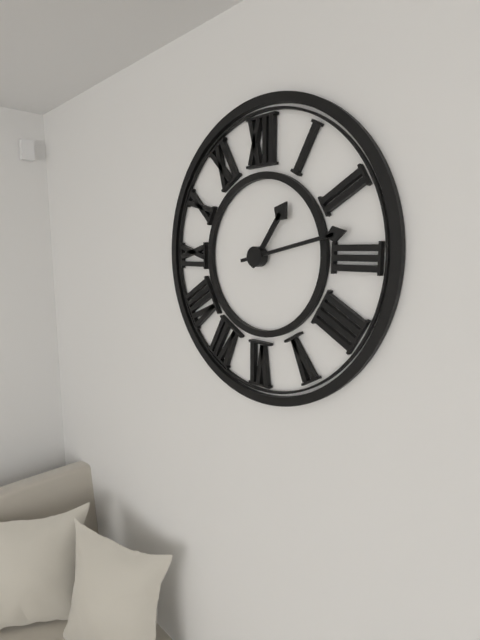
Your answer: **1:13**
